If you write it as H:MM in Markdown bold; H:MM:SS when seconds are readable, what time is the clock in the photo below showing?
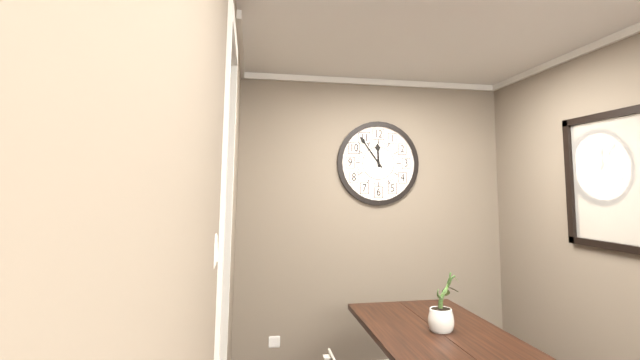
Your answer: **11:54**
